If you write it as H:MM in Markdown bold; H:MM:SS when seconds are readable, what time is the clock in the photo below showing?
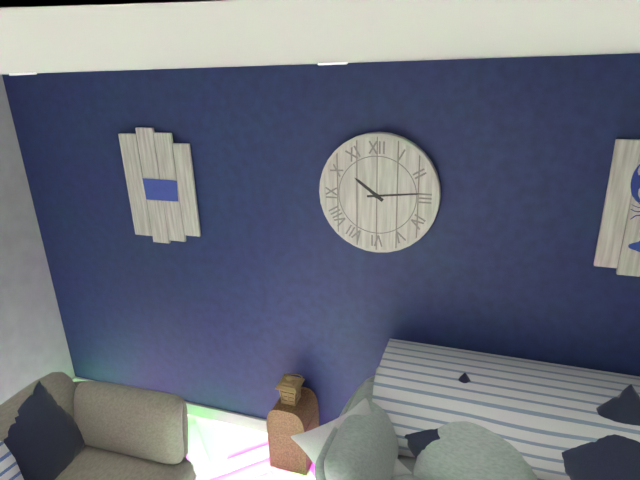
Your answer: **10:14**
